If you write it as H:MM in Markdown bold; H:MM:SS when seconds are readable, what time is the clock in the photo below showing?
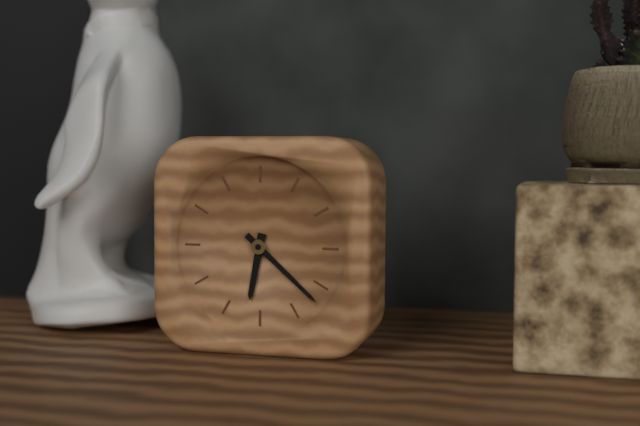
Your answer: **6:22**
